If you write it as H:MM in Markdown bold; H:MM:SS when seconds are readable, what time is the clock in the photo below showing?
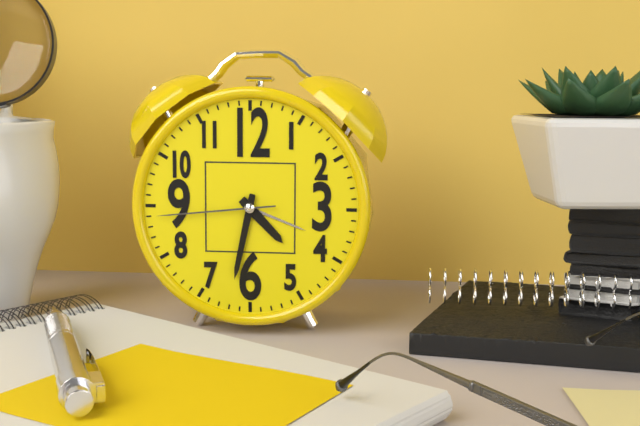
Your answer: **4:32:44**
